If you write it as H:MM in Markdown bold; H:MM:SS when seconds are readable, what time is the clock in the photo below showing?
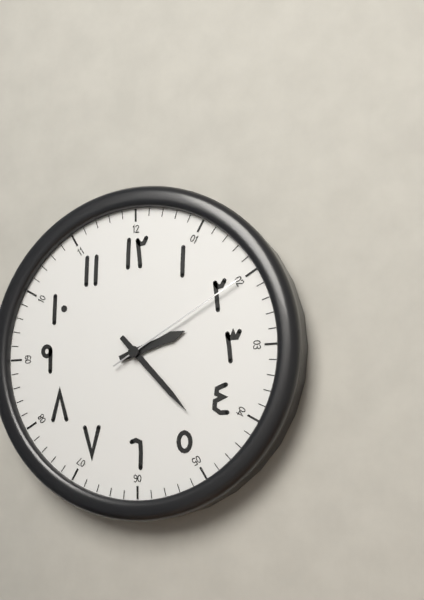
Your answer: **2:23:10**
